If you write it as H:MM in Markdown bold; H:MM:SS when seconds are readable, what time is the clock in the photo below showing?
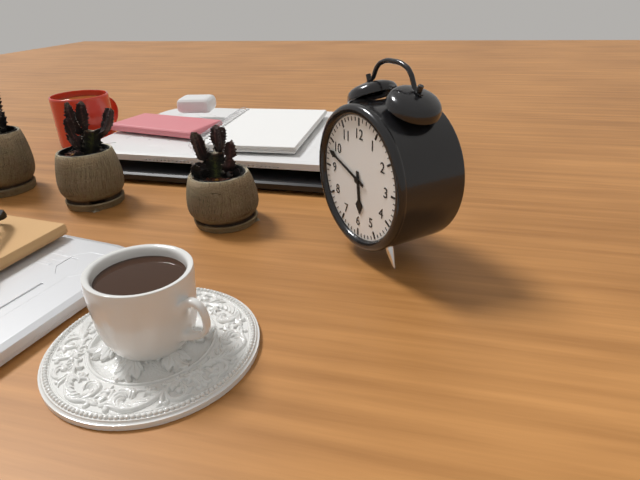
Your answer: **5:48**
